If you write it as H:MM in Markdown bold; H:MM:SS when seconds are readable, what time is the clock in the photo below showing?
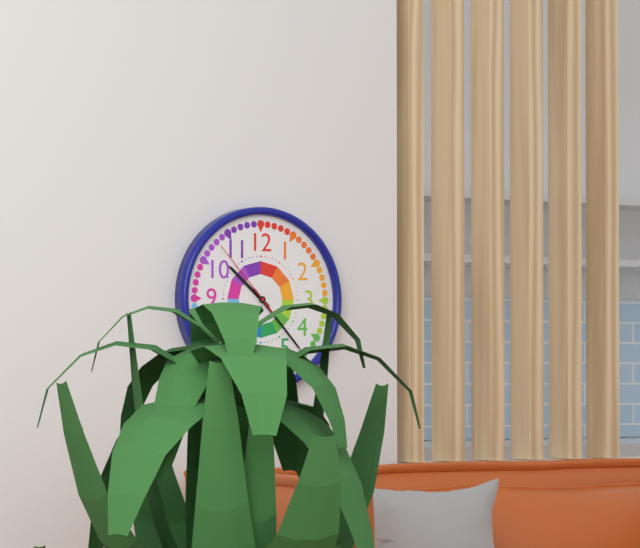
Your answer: **10:23:53**
